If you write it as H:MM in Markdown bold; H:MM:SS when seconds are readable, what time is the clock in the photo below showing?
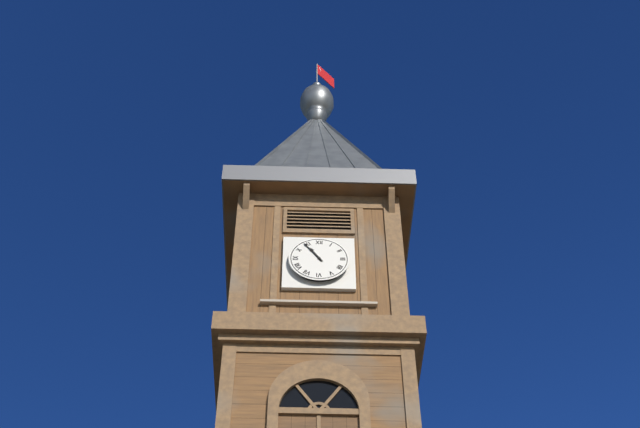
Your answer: **10:54**
